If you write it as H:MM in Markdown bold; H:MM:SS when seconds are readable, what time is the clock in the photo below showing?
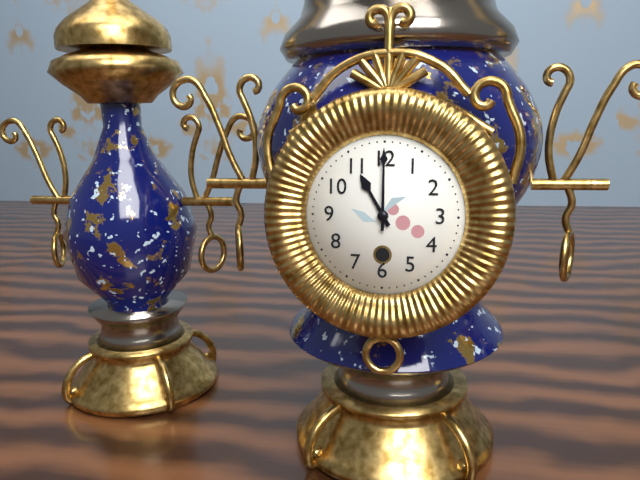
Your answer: **11:00**
